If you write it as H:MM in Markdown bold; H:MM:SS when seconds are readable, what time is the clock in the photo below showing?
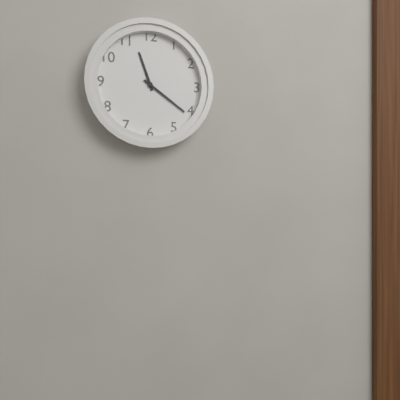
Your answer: **11:21**
